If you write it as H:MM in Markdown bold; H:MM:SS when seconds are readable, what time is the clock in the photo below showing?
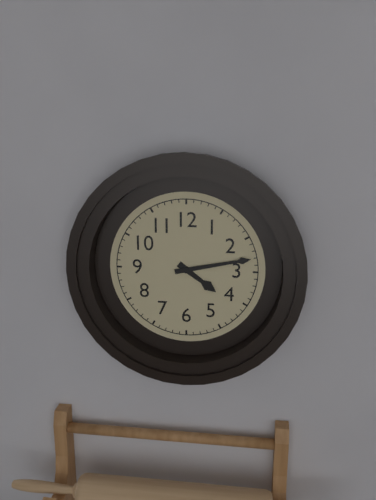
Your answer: **4:13**
